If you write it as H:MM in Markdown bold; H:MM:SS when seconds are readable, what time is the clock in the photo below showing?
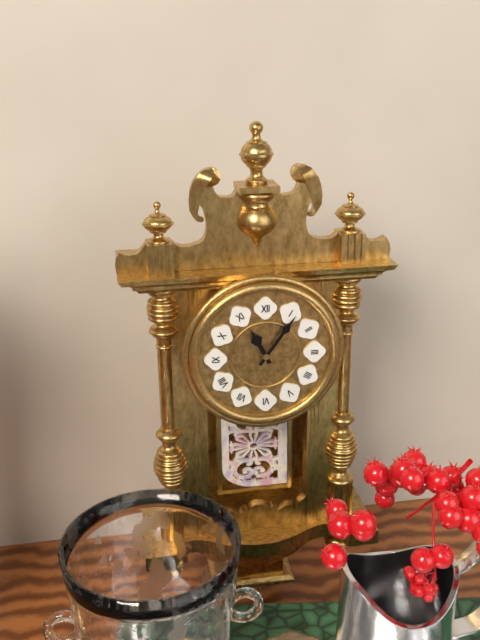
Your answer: **11:06**
